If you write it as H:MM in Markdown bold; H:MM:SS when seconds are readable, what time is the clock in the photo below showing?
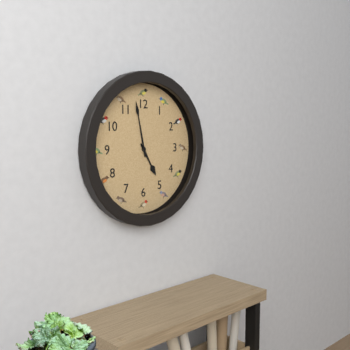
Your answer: **4:58**
